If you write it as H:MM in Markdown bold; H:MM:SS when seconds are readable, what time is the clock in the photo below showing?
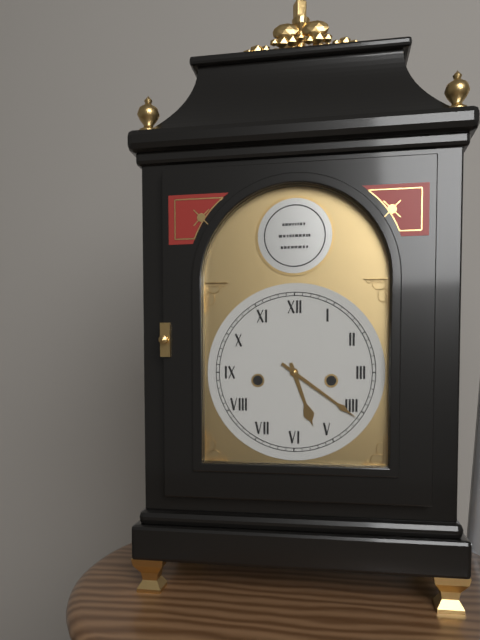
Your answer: **5:21**
